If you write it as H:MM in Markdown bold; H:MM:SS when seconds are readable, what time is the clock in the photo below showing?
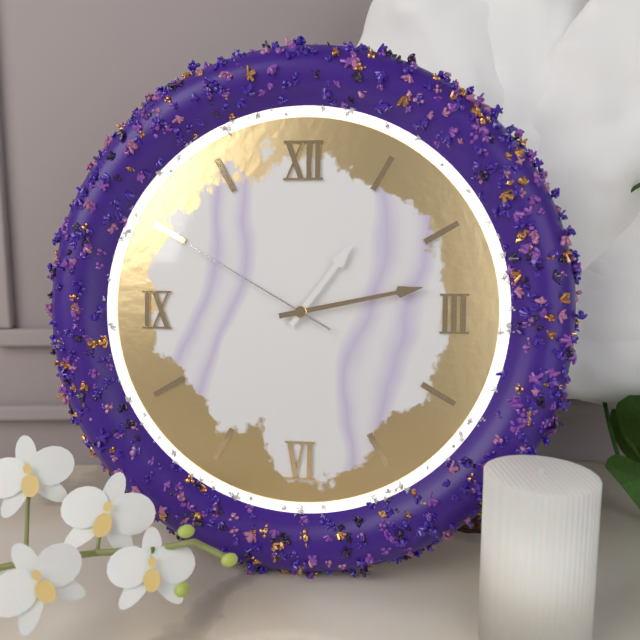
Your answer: **1:13:50**
